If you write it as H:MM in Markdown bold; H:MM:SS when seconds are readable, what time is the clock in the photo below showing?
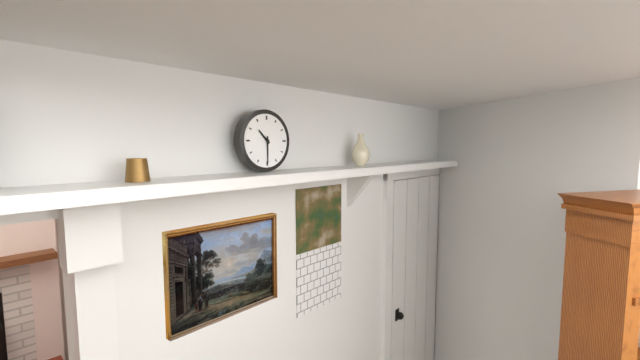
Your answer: **10:30**
